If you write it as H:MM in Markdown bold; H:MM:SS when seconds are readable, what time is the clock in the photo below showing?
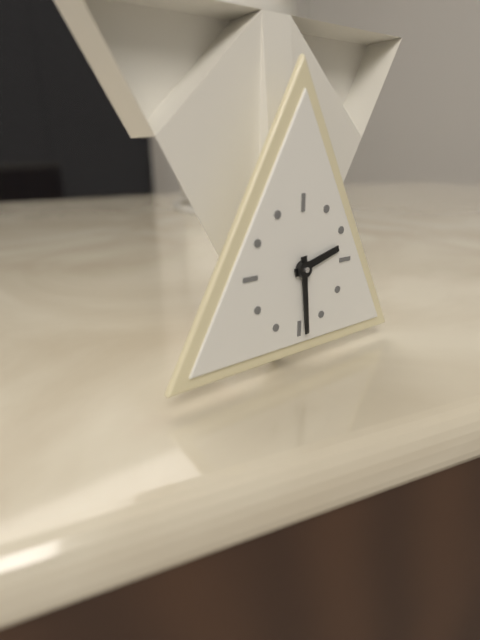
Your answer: **2:29**
